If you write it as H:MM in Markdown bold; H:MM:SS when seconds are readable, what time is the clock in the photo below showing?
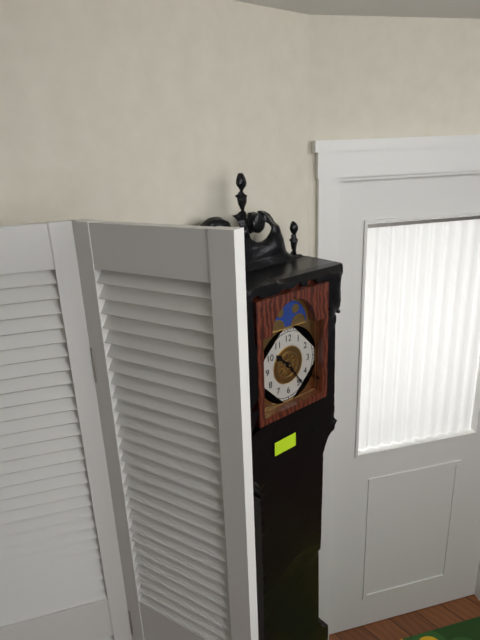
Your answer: **10:24**
